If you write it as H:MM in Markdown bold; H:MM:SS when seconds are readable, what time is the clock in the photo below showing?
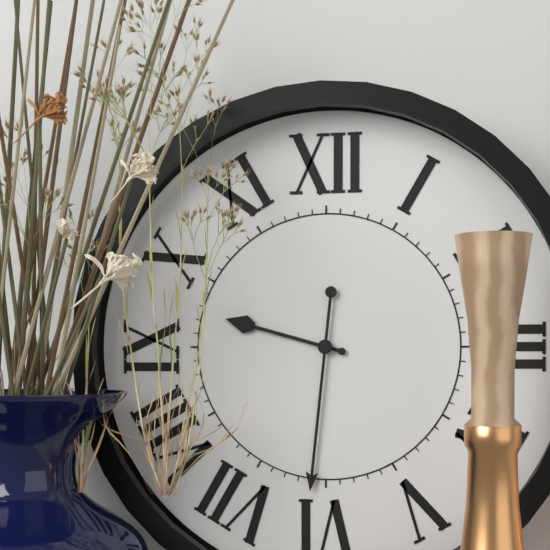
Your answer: **9:31**
